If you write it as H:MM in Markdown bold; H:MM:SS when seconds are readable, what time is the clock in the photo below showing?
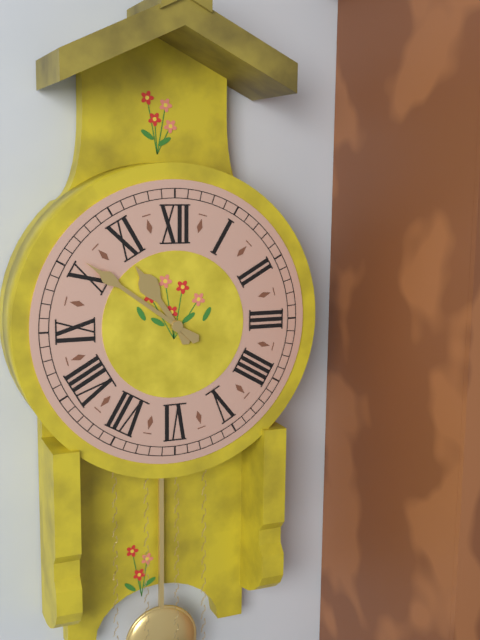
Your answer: **10:51**
